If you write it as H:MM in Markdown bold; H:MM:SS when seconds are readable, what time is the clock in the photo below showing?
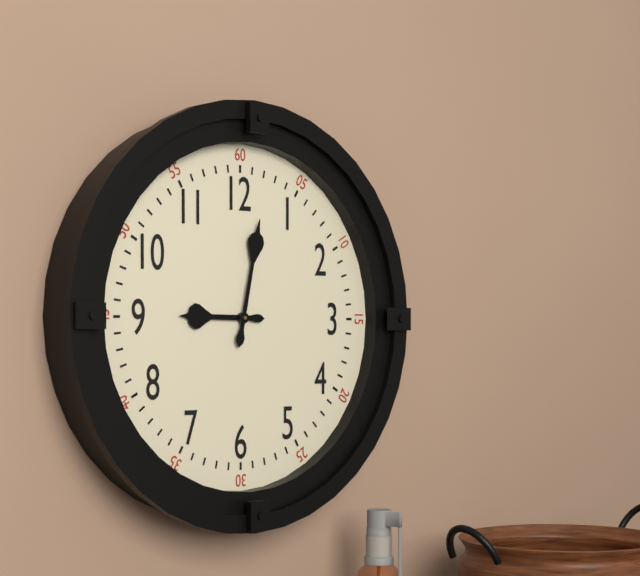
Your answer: **9:02**
